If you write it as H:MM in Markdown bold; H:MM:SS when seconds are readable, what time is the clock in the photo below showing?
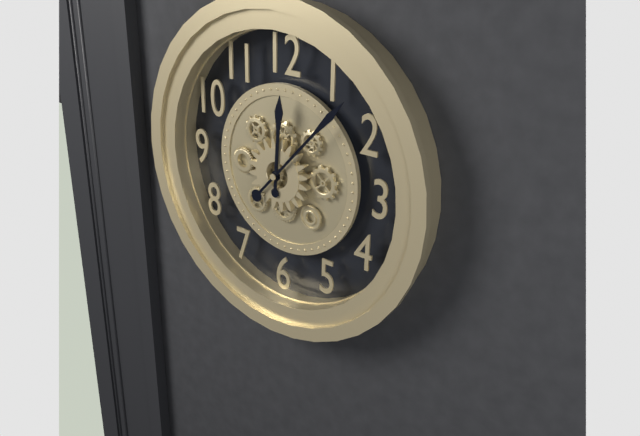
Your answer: **12:07**
